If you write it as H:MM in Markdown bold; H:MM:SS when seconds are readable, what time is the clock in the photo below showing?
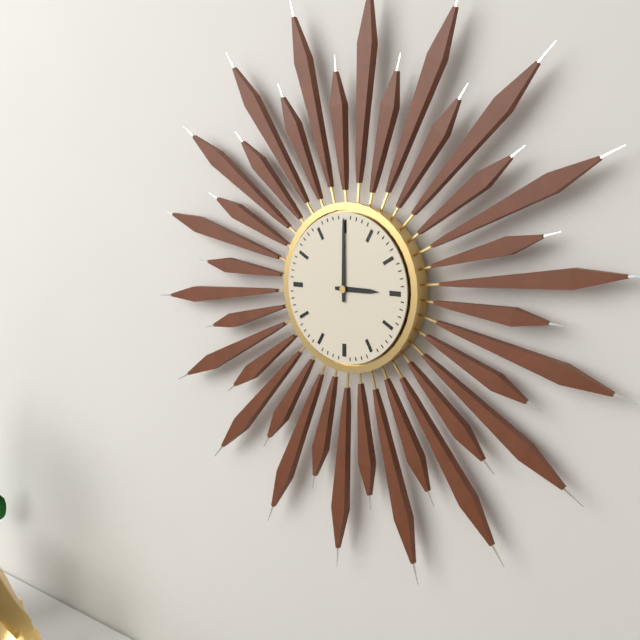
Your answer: **3:00**
